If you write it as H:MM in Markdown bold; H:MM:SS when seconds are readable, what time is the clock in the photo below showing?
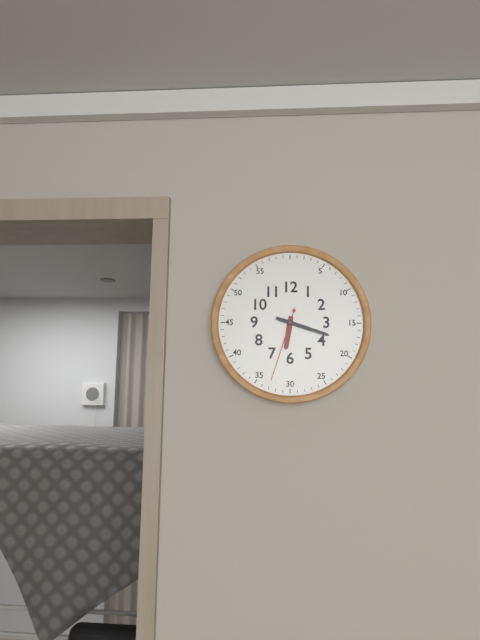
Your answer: **6:18:33**
